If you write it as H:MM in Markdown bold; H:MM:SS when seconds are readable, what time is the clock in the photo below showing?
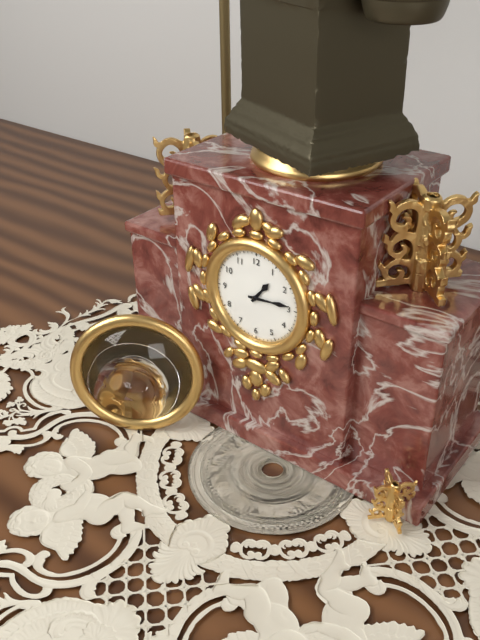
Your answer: **1:14**
